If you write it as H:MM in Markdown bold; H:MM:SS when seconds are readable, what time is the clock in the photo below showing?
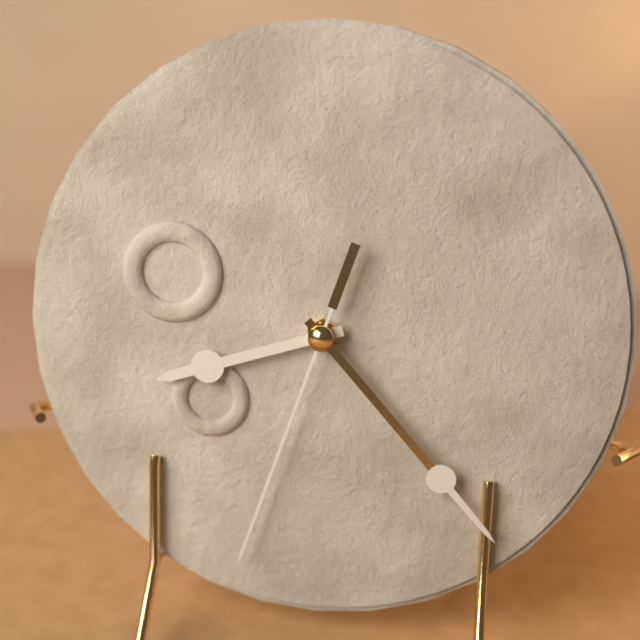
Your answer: **8:23:33**
